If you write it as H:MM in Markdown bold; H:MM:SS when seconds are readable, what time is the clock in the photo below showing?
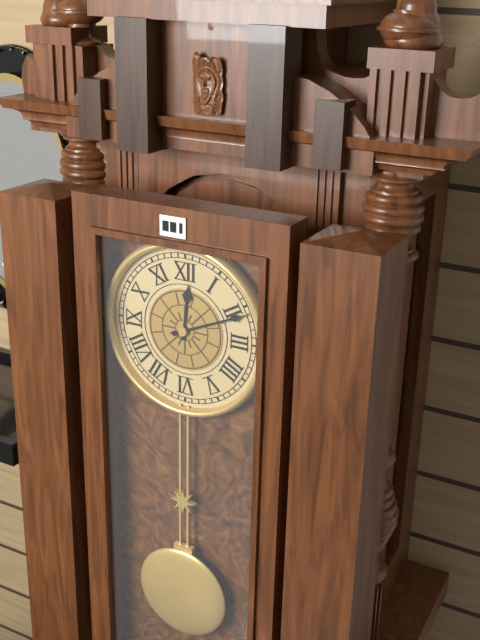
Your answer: **12:11**
